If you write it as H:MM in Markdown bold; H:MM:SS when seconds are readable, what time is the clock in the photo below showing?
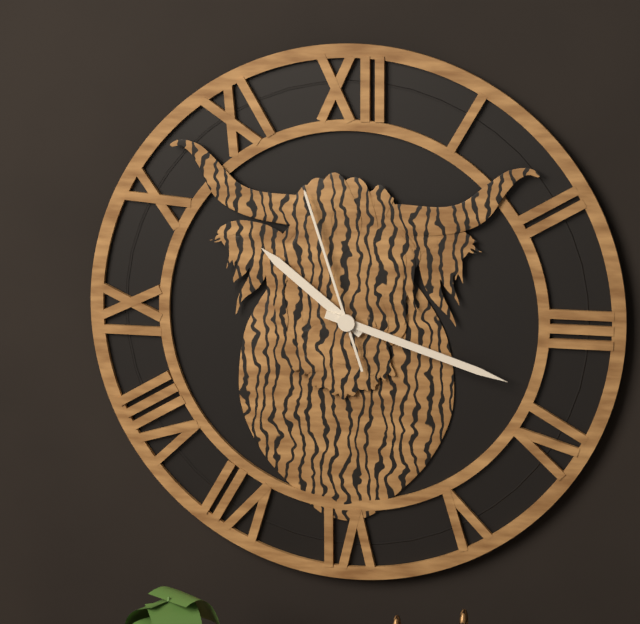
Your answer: **10:18:57**
